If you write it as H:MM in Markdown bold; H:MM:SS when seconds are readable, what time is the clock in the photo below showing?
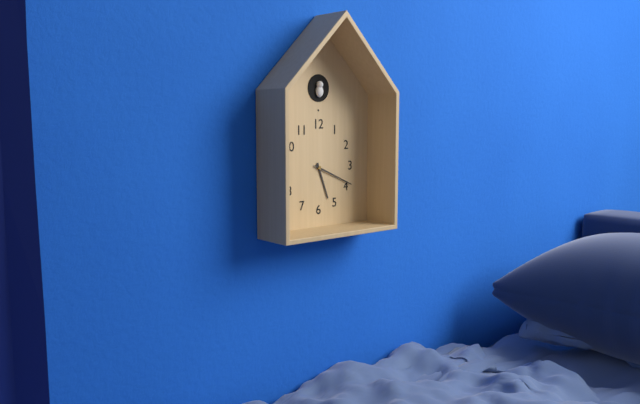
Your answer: **5:19**
